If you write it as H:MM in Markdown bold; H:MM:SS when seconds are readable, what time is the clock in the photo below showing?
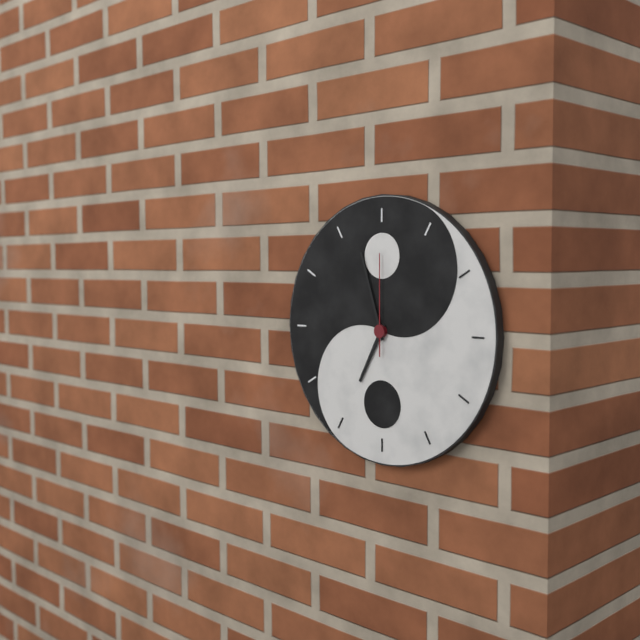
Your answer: **6:57:00**
